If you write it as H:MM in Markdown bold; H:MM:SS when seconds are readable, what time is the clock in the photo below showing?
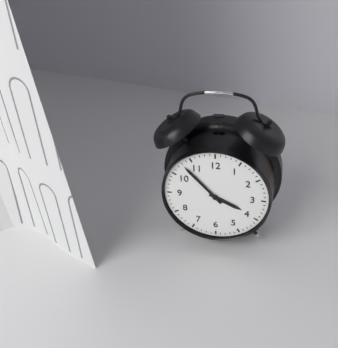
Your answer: **3:53**
